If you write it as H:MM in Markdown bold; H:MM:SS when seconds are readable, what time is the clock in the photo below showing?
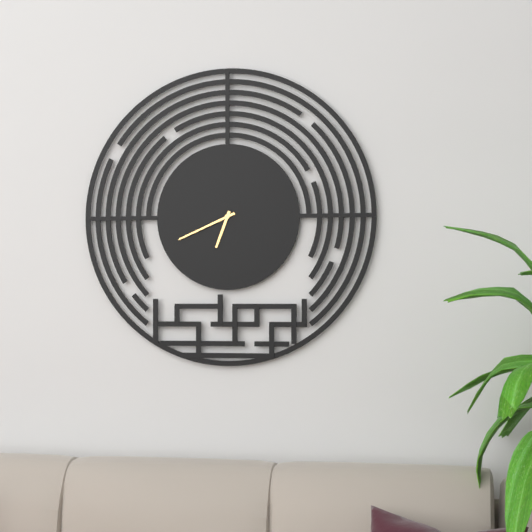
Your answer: **6:41**
